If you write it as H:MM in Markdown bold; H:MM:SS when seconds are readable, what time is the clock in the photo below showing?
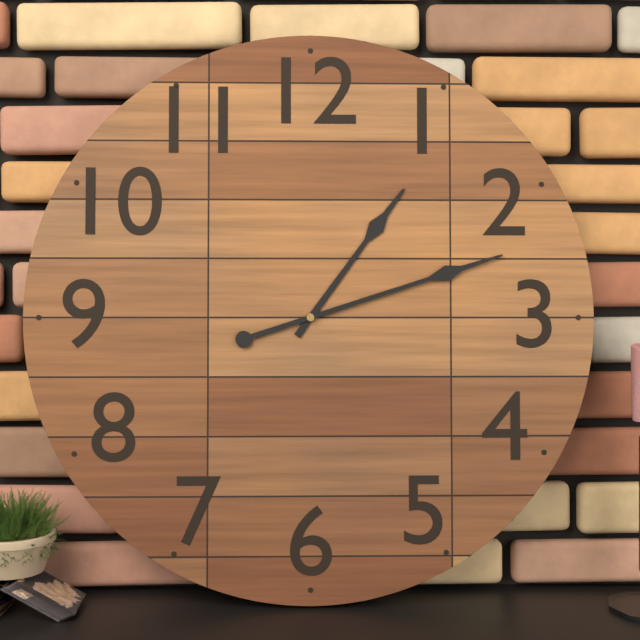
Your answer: **1:12**
